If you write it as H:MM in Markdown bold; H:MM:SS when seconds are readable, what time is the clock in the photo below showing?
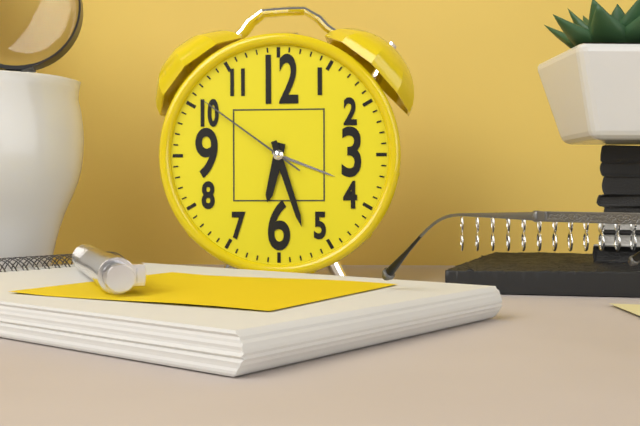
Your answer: **6:27:51**
